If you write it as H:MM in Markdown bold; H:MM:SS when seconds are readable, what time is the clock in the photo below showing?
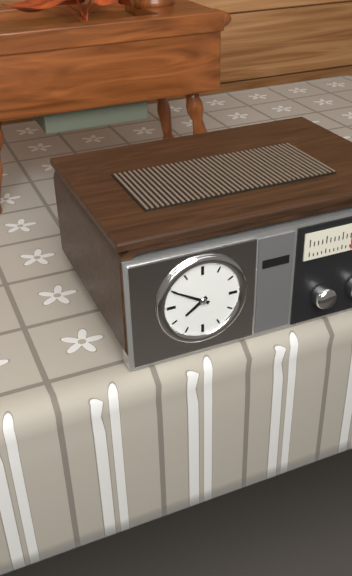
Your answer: **7:50**
